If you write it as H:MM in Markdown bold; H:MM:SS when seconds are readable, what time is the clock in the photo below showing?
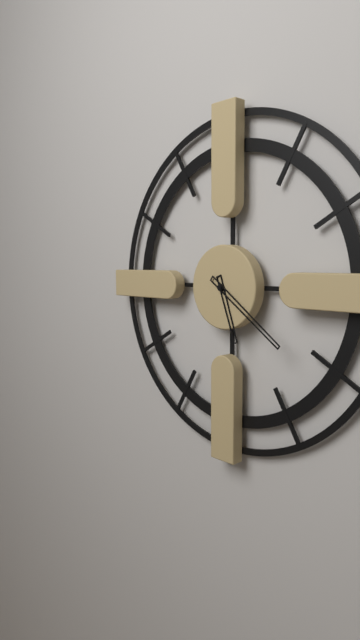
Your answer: **5:21**
